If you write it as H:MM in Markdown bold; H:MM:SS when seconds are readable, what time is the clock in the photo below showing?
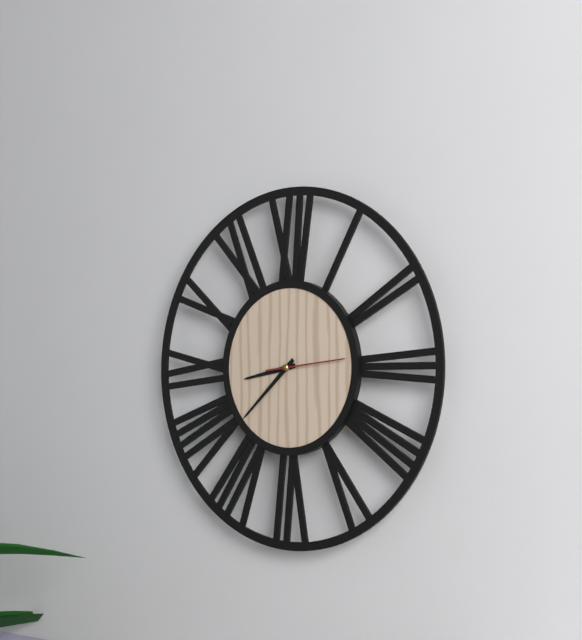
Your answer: **8:38:14**
